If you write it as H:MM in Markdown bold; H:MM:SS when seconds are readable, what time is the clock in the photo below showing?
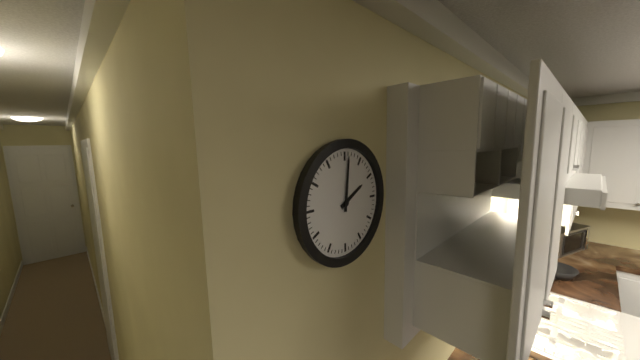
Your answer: **2:01**
